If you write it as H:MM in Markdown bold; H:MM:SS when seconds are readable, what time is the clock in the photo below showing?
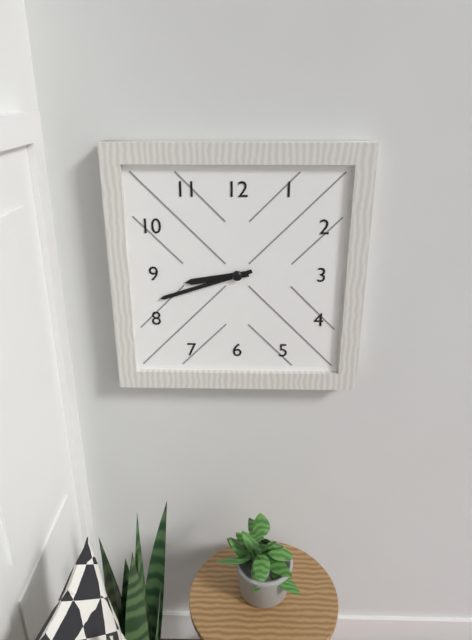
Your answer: **8:42**
